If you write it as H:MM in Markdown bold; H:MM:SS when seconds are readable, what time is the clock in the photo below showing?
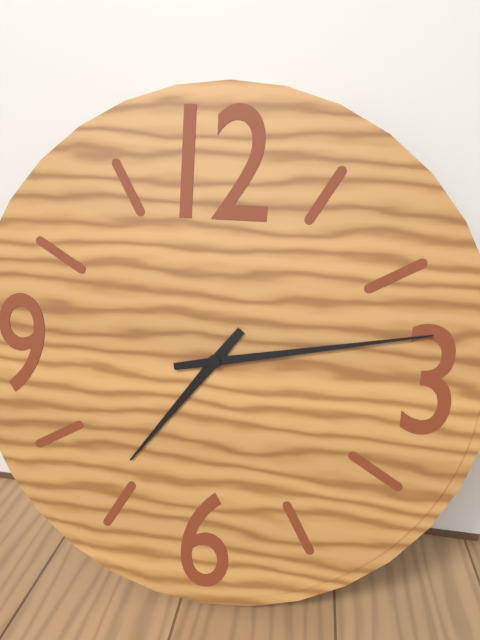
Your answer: **7:13**
